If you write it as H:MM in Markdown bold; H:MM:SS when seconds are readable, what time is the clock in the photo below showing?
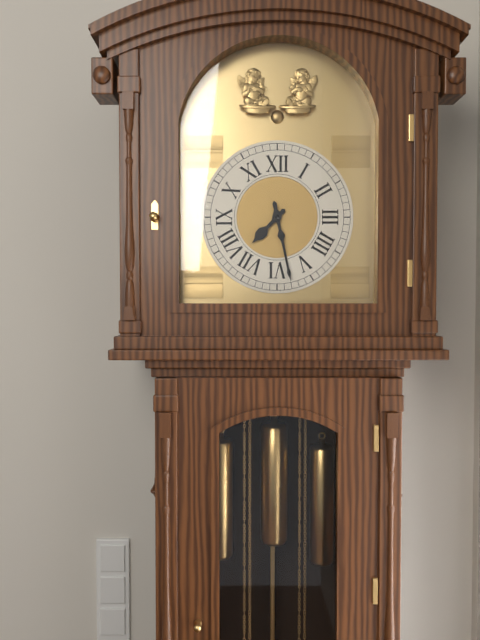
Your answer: **7:28**
